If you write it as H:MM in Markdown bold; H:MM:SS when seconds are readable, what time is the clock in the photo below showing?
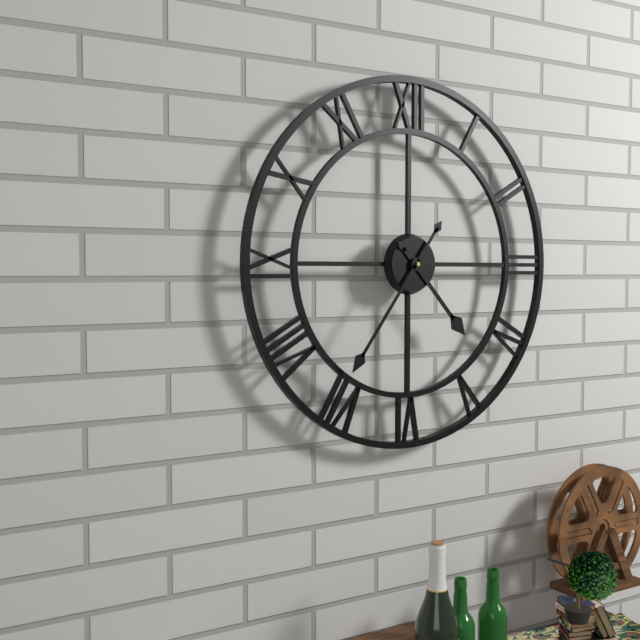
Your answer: **4:36**
